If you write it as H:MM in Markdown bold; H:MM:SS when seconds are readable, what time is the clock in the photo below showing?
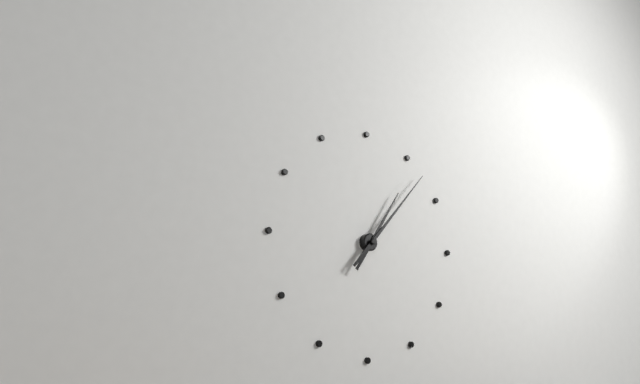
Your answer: **1:07**
